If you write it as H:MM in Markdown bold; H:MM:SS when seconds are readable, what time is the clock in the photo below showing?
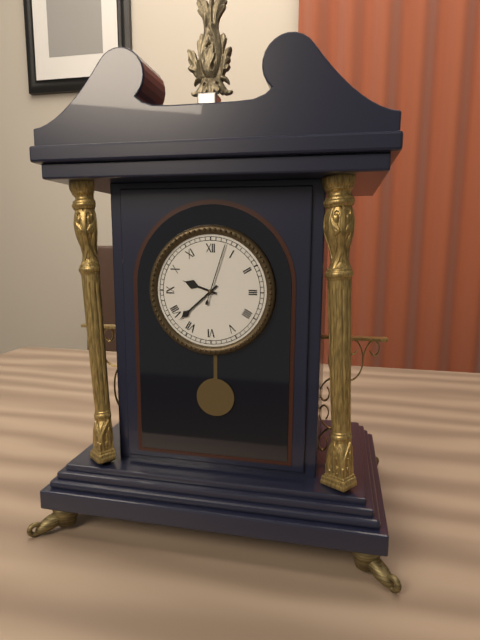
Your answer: **9:38:03**
